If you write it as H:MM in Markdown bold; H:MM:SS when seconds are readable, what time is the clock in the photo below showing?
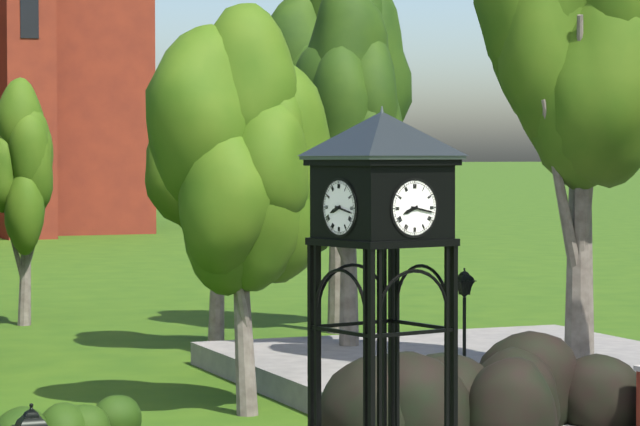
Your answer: **8:17**
